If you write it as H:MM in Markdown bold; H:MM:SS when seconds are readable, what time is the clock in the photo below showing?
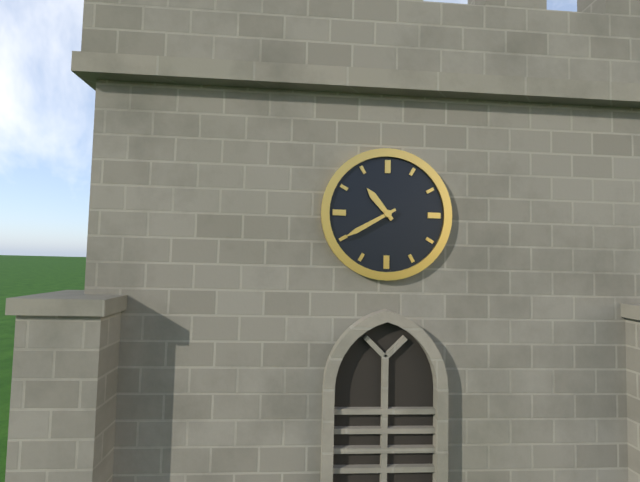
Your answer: **10:40**
